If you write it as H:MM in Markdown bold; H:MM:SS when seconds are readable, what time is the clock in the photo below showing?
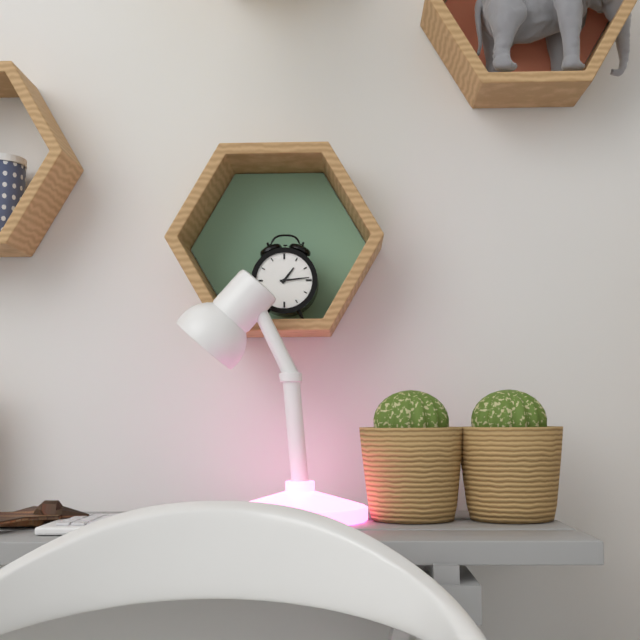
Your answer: **1:14**
